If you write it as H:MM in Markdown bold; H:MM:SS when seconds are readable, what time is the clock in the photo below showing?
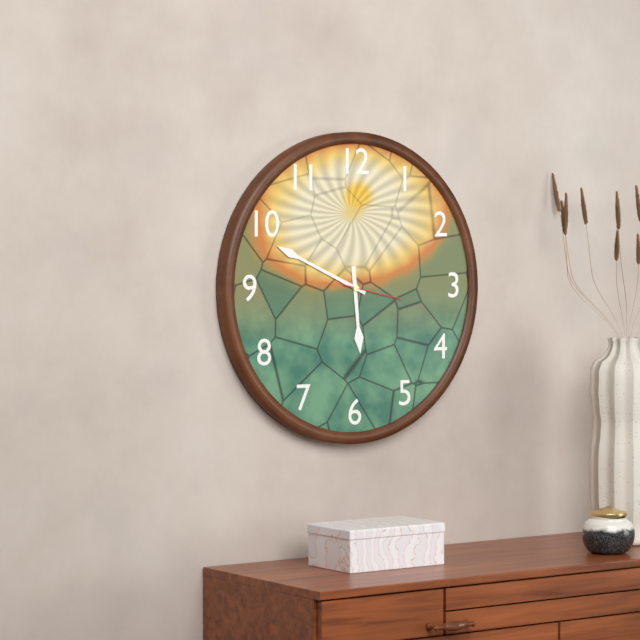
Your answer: **5:49:17**
